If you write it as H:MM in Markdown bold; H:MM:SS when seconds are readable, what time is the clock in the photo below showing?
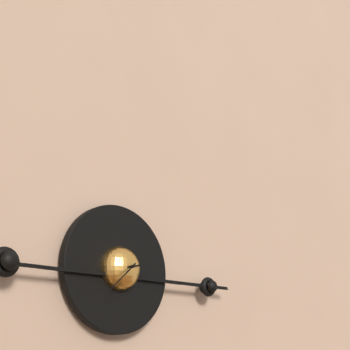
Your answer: **2:38**
